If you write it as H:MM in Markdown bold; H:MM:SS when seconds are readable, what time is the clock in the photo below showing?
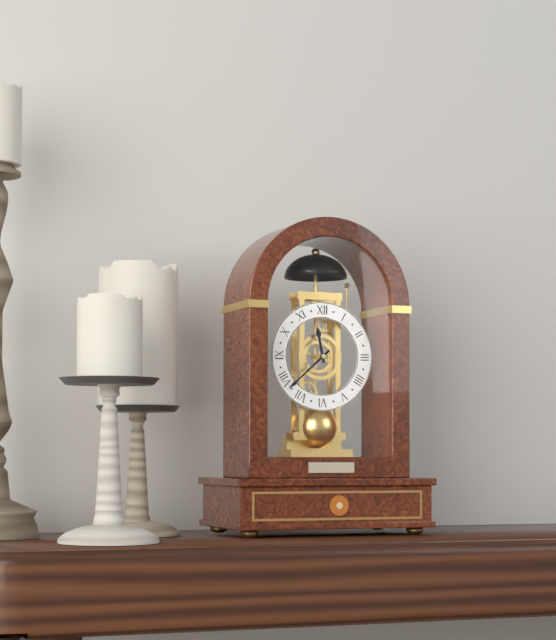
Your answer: **11:38**
